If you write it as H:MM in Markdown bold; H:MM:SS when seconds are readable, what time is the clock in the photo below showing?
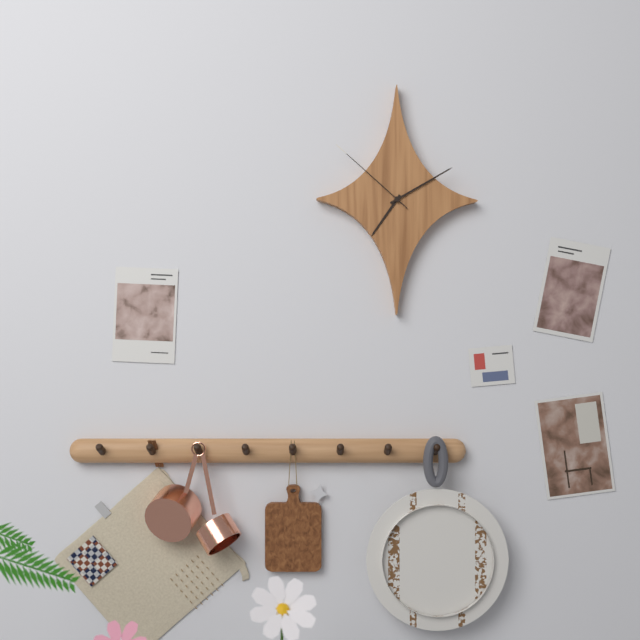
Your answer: **7:10:52**
